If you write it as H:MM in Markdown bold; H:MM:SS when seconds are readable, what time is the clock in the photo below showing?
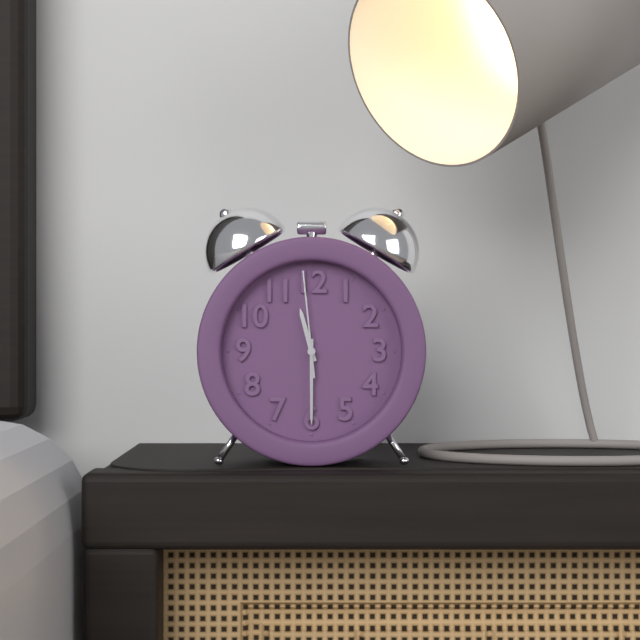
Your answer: **11:30:59**
